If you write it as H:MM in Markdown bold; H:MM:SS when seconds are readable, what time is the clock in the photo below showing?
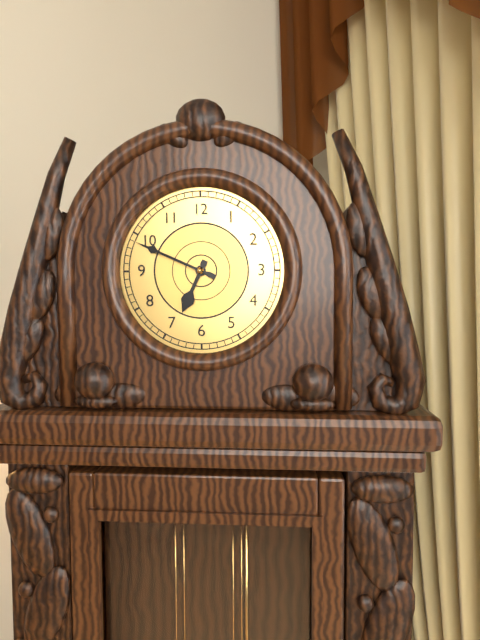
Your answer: **6:49**
